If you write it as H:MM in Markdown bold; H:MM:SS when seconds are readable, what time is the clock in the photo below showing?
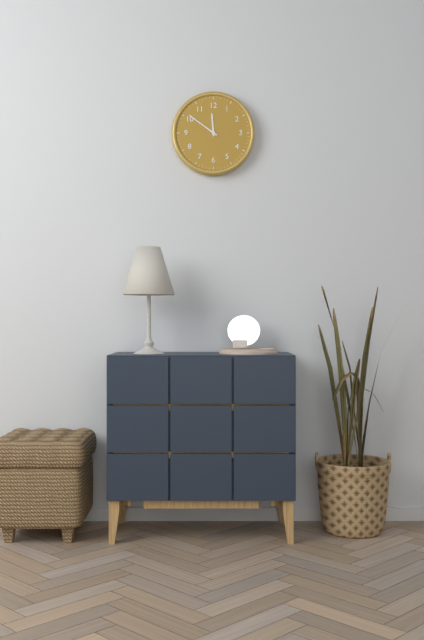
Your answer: **11:51**
